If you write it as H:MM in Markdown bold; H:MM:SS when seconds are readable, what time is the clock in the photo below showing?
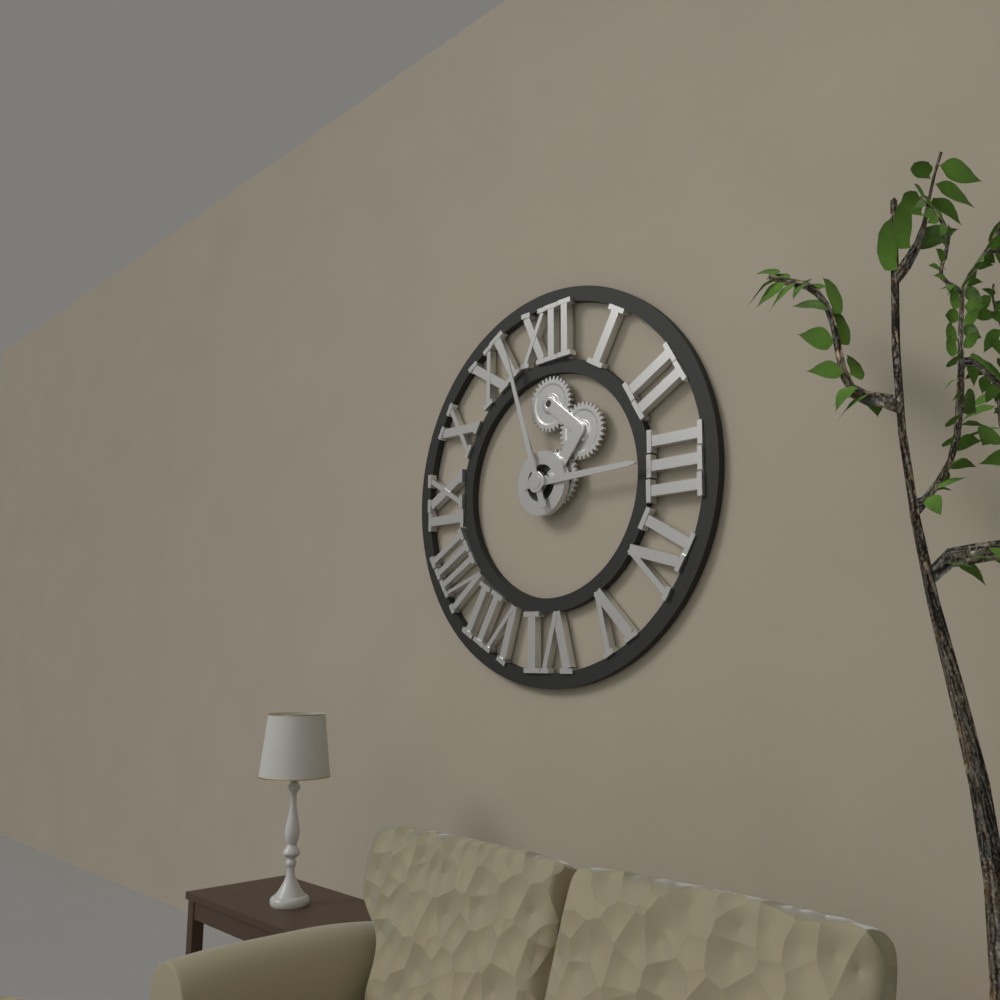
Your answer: **2:57**
